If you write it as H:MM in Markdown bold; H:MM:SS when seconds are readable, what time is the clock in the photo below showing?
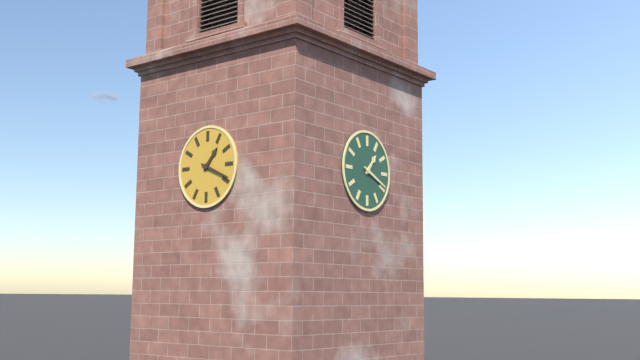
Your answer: **1:19**
